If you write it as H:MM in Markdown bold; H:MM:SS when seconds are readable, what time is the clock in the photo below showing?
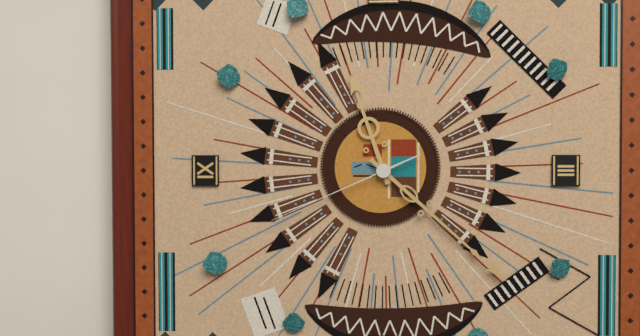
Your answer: **11:22:41**
